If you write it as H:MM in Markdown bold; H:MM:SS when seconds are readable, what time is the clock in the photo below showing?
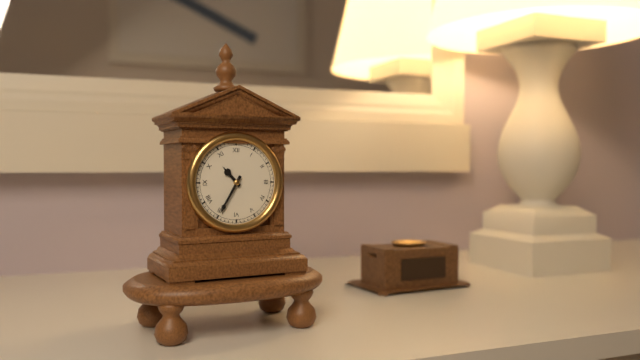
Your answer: **10:35**
